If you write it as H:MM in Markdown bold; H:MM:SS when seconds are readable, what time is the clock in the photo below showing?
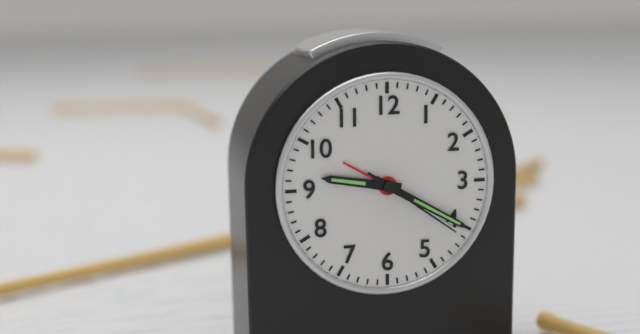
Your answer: **9:20:21**
